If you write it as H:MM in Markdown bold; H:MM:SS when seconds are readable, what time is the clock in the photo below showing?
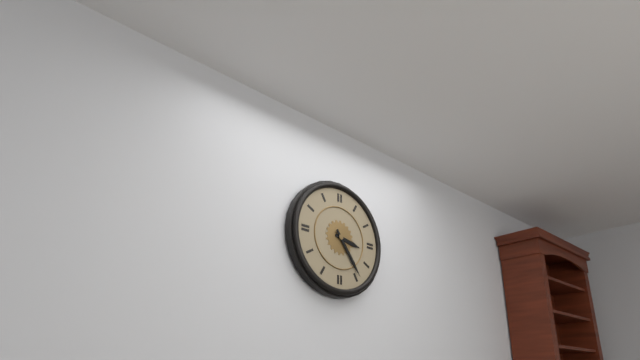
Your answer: **3:24**
